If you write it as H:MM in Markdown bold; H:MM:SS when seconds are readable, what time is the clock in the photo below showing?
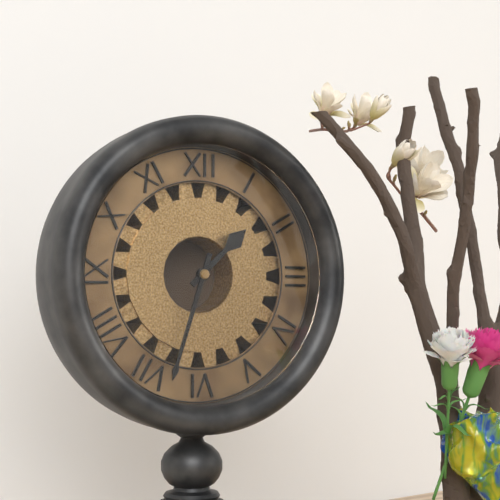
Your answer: **1:33**
